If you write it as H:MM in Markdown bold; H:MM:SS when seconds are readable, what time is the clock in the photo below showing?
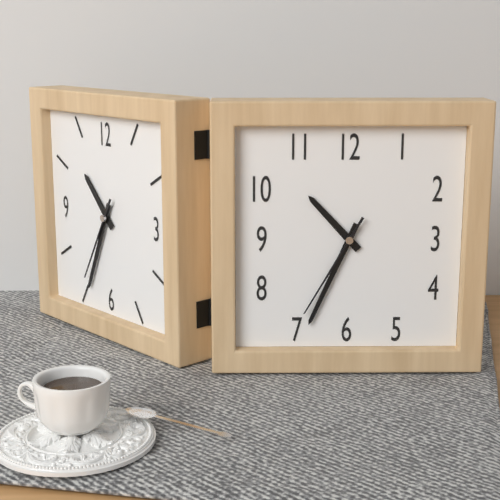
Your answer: **10:34:35**
